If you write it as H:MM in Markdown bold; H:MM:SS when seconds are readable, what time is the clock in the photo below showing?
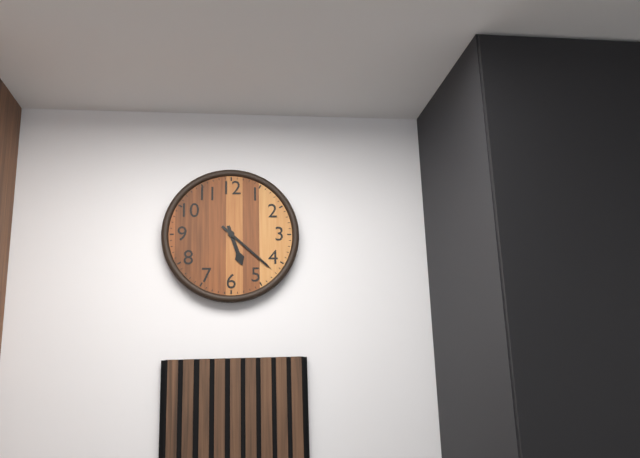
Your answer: **5:22**
